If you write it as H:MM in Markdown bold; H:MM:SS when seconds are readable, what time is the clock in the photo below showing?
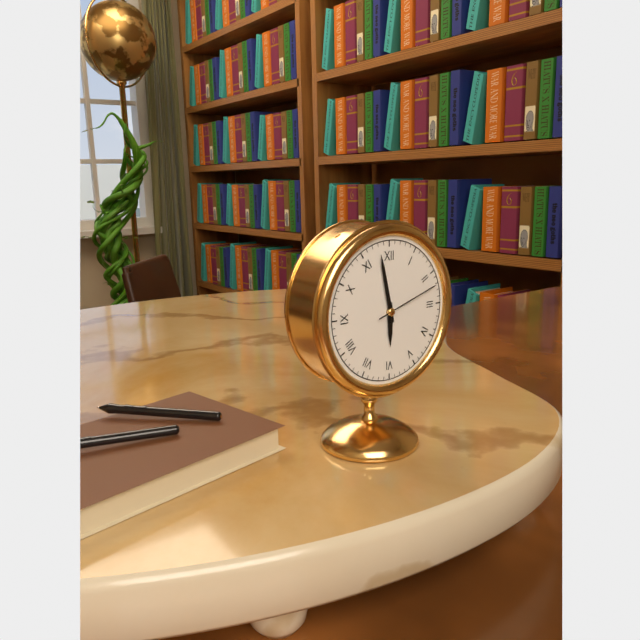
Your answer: **5:58:12**
